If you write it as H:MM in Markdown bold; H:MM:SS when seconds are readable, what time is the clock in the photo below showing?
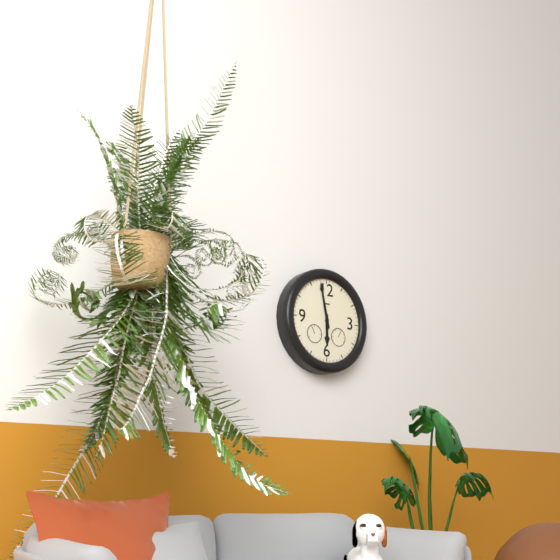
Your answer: **5:58**
